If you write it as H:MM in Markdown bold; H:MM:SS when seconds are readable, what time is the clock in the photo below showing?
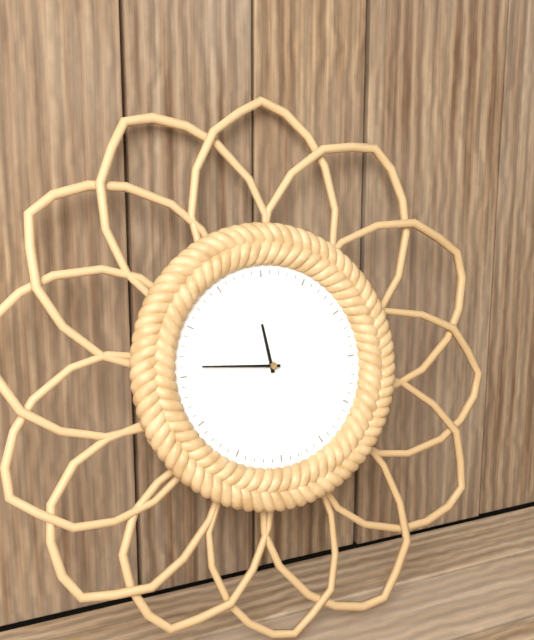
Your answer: **11:46**
